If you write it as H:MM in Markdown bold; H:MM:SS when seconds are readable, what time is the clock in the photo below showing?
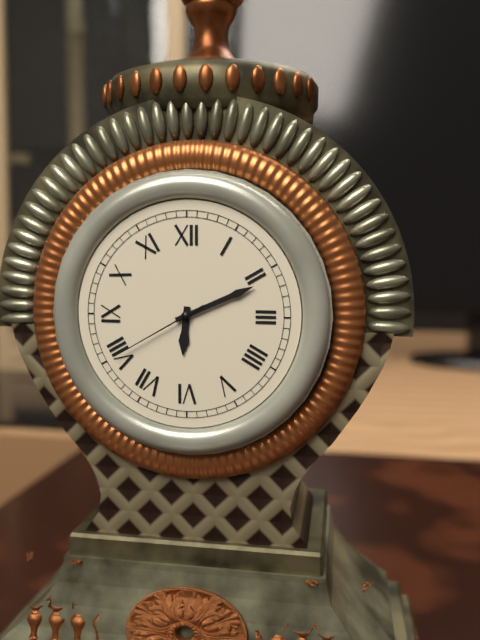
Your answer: **6:11:40**
